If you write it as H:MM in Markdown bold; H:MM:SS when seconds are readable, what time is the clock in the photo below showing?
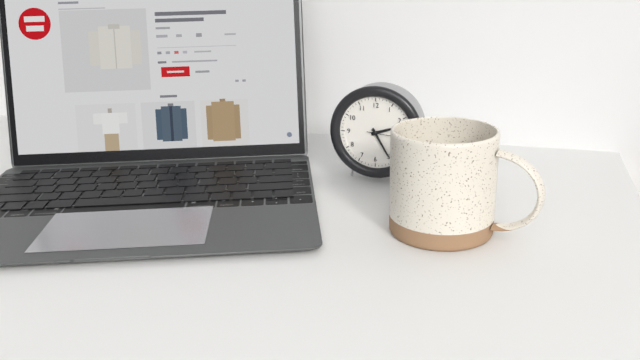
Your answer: **2:25**
